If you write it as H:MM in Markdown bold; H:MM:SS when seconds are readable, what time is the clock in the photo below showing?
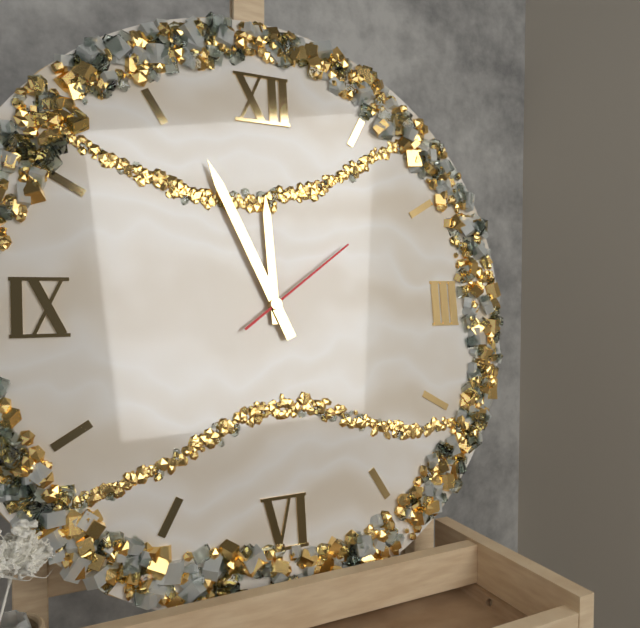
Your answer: **11:56:09**
